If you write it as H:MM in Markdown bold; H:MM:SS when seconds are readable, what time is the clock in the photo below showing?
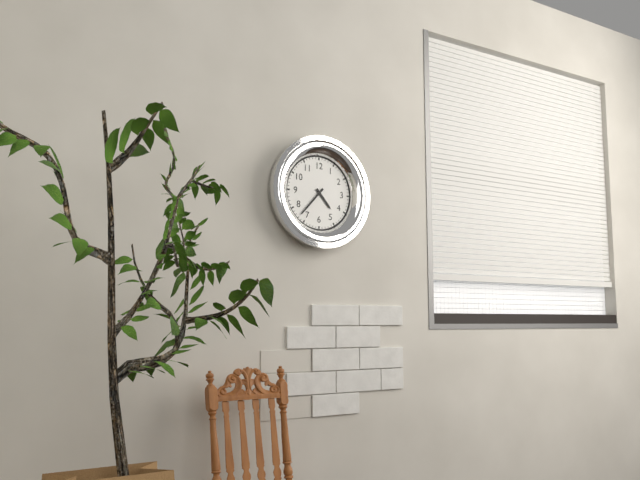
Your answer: **4:37**
